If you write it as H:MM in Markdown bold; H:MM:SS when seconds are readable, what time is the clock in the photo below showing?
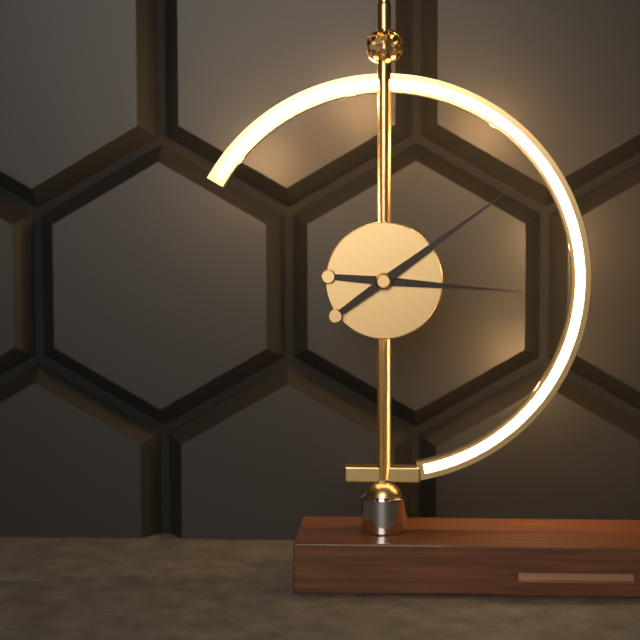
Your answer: **3:09**
